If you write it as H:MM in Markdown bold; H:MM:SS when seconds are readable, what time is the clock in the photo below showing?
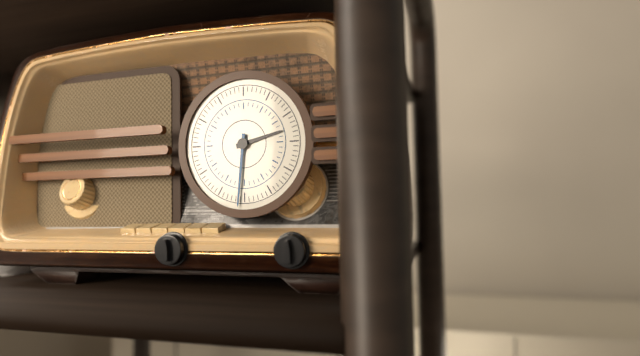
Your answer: **2:31**
